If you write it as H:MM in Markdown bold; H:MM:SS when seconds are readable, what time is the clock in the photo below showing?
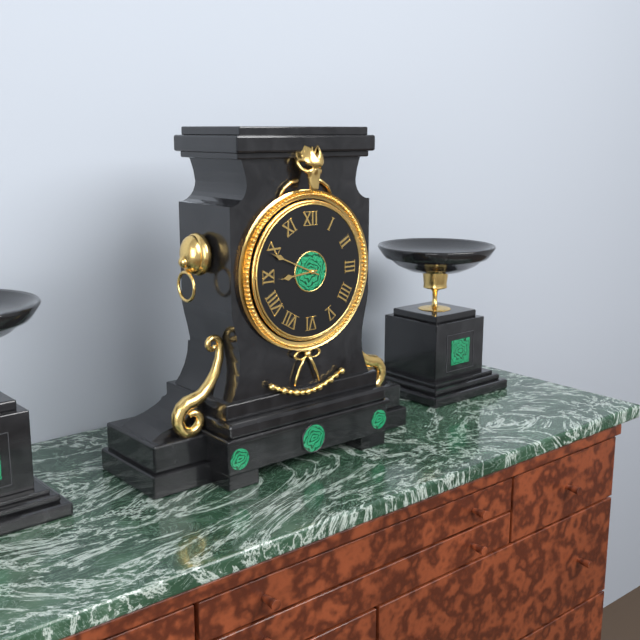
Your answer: **8:49**
